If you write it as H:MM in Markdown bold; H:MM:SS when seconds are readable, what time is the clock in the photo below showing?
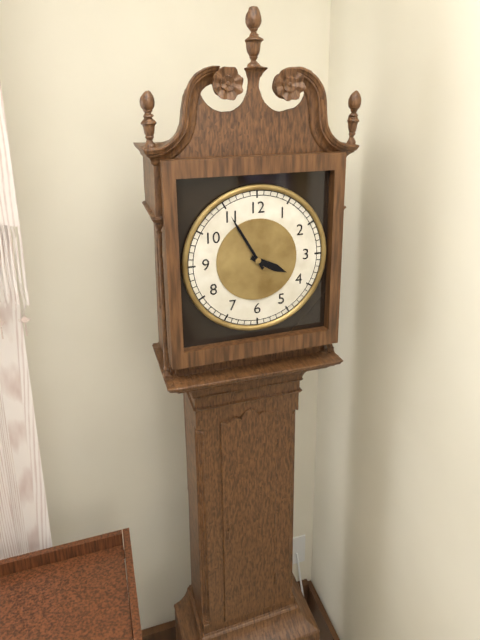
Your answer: **3:55**
